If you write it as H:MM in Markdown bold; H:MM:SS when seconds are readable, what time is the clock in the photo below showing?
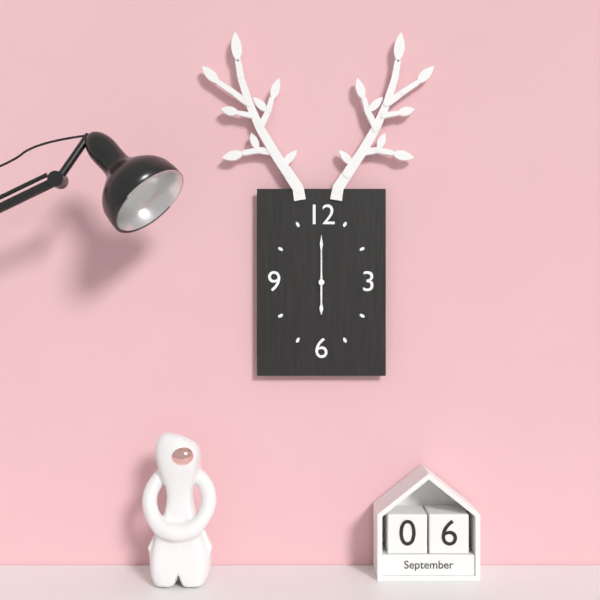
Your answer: **6:00**
